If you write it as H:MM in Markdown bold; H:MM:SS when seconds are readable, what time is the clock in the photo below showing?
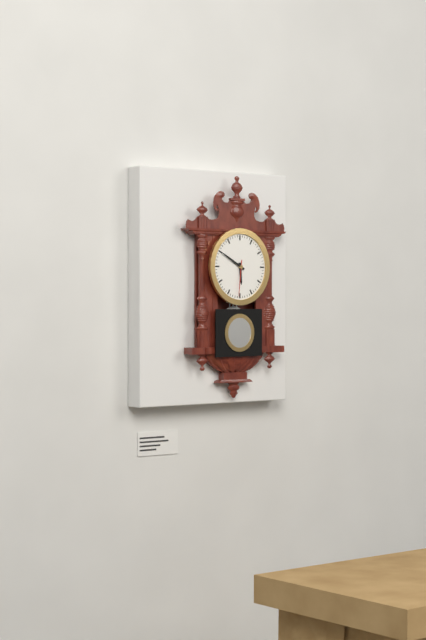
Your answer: **5:50**
